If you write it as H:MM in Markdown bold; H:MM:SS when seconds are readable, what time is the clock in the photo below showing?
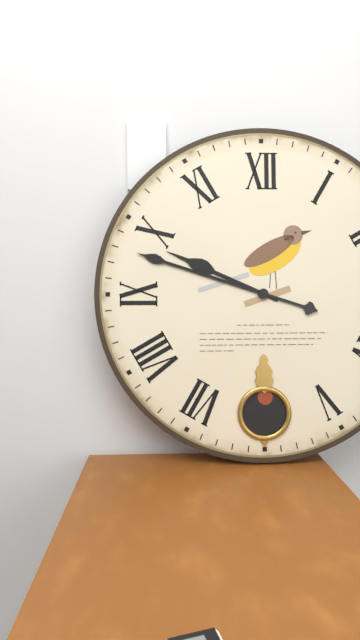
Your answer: **9:48**
